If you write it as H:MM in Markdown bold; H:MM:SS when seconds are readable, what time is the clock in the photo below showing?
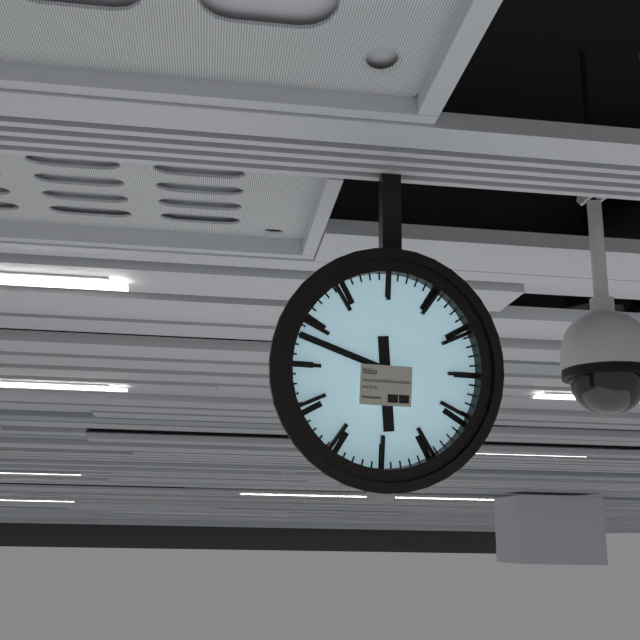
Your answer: **5:48**
